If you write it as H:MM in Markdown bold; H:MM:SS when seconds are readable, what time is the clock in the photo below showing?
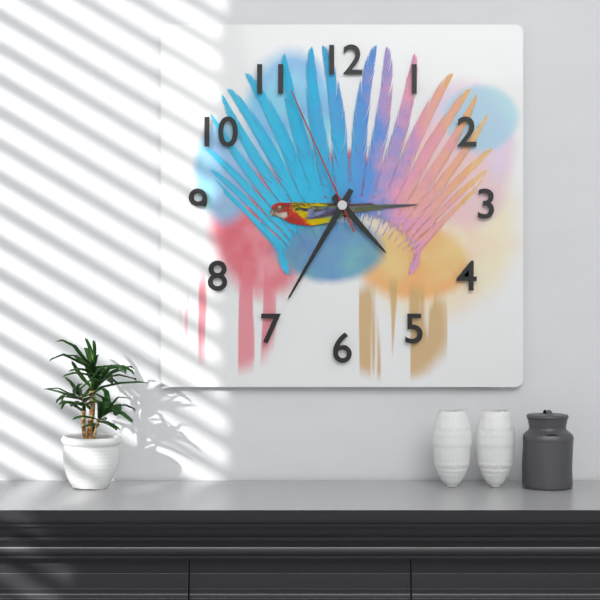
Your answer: **4:35:56**
